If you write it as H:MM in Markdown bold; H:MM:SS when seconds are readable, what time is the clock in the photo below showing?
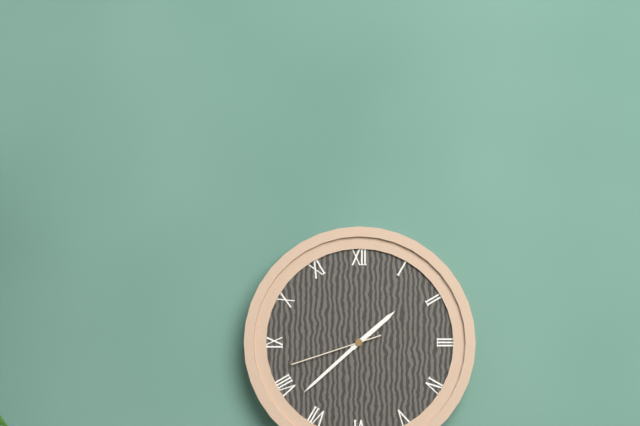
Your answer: **1:38:42**
